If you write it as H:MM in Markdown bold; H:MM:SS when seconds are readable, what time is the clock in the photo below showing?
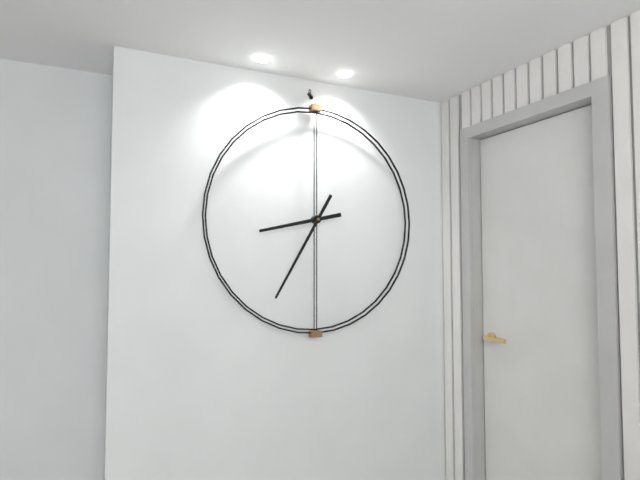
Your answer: **8:35**
